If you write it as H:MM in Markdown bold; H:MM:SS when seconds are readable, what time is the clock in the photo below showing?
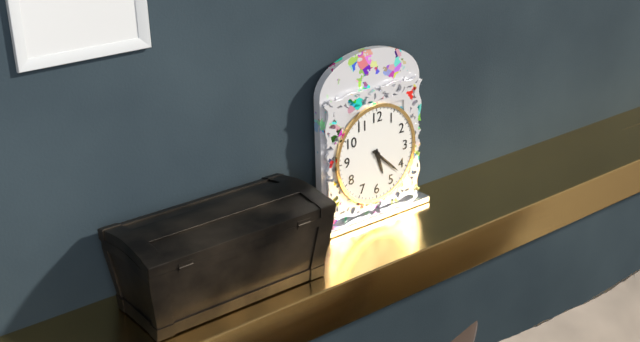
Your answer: **5:22**
